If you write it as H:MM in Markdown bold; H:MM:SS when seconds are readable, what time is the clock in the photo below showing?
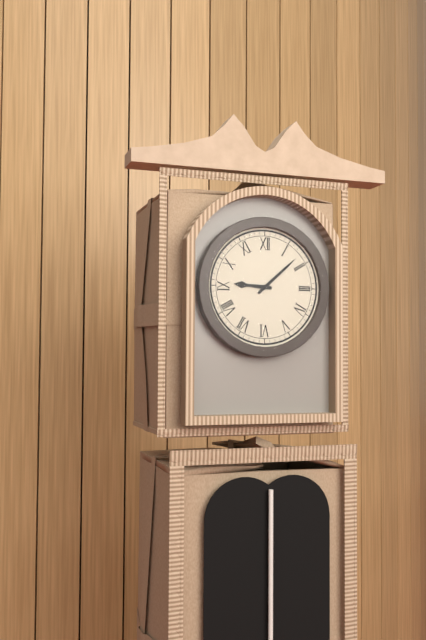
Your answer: **9:08**
